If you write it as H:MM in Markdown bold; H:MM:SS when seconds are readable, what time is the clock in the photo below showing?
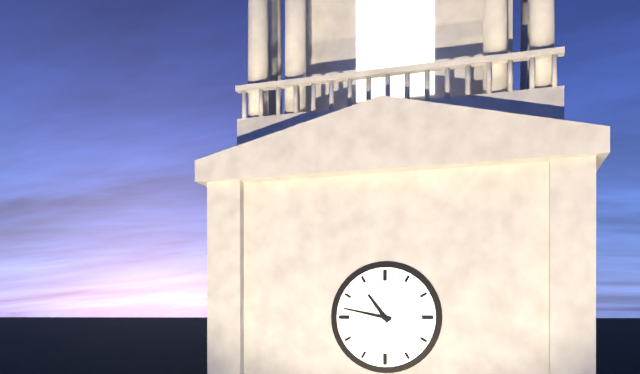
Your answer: **10:47**
